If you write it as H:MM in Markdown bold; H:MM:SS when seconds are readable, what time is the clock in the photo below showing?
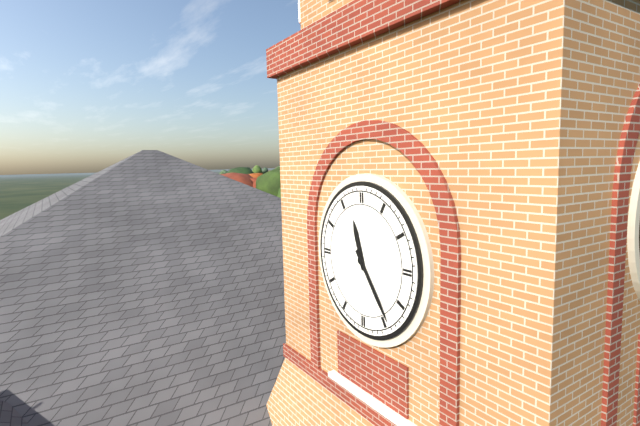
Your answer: **11:24**
